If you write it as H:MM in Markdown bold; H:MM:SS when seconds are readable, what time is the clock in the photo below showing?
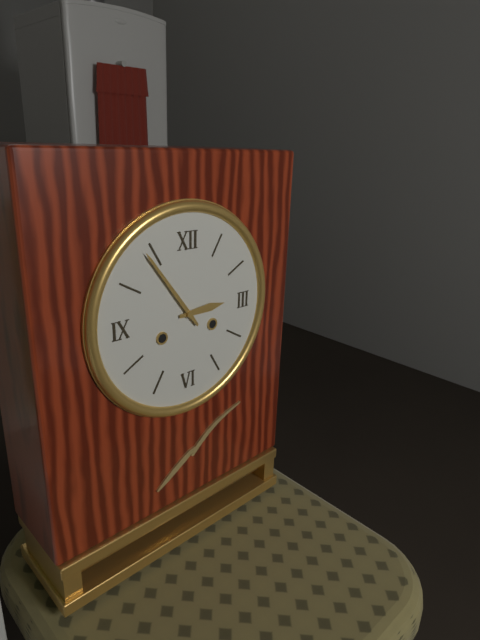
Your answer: **2:54**
